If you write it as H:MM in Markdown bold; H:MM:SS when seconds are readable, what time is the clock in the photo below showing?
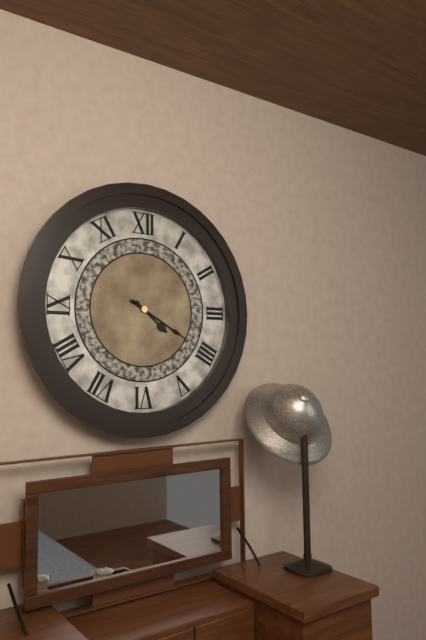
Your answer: **4:20**
